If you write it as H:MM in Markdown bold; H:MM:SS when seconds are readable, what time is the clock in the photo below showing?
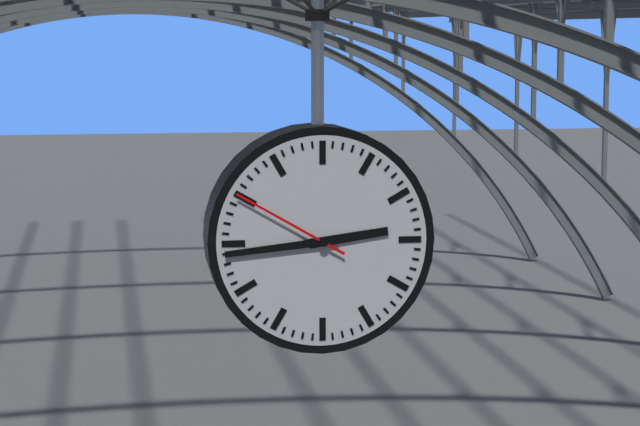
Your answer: **2:44:50**
